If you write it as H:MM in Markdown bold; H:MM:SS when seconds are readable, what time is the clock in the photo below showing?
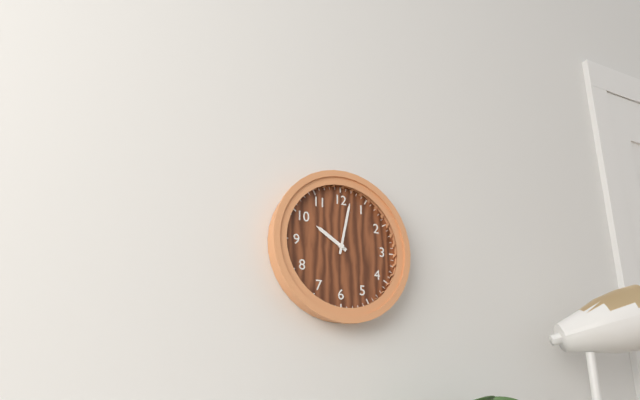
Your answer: **10:02**
